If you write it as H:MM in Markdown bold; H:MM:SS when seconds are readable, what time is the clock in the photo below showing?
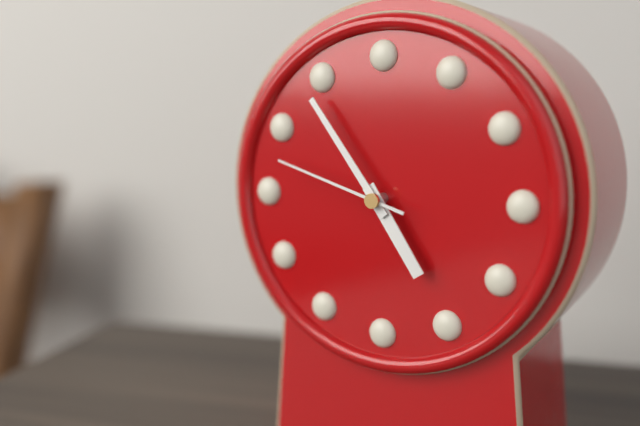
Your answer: **4:54:48**
